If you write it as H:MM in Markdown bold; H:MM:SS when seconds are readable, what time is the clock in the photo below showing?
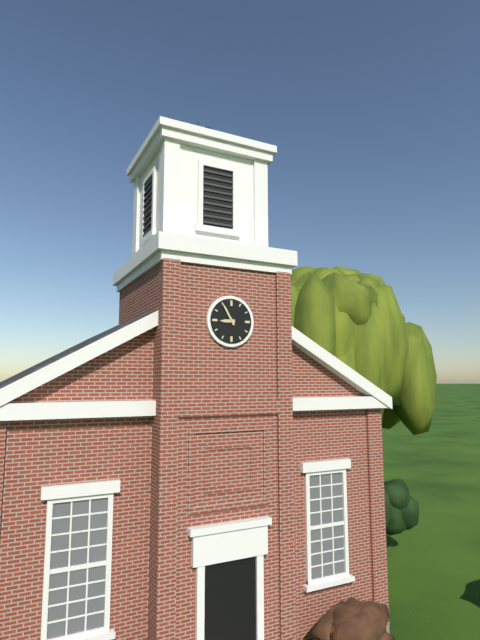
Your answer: **8:55**
